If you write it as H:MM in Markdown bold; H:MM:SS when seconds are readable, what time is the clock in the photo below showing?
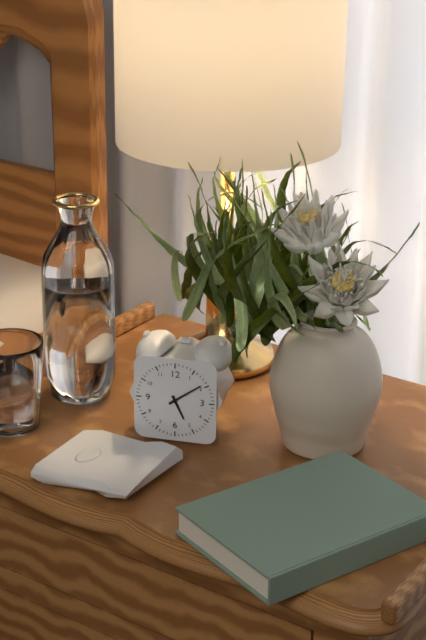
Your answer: **5:09**
